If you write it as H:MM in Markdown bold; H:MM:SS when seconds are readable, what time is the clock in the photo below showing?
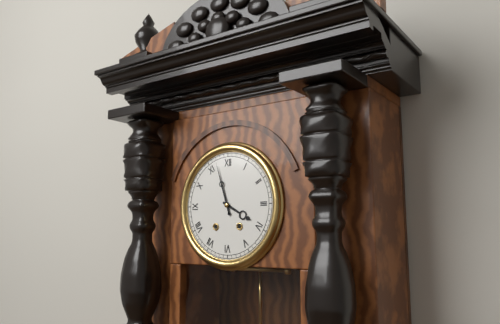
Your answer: **3:57**
